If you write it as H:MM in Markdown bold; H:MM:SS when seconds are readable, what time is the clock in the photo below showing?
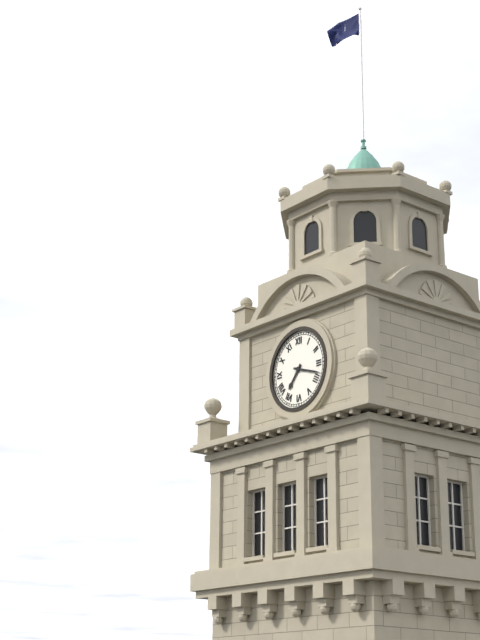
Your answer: **7:18**
